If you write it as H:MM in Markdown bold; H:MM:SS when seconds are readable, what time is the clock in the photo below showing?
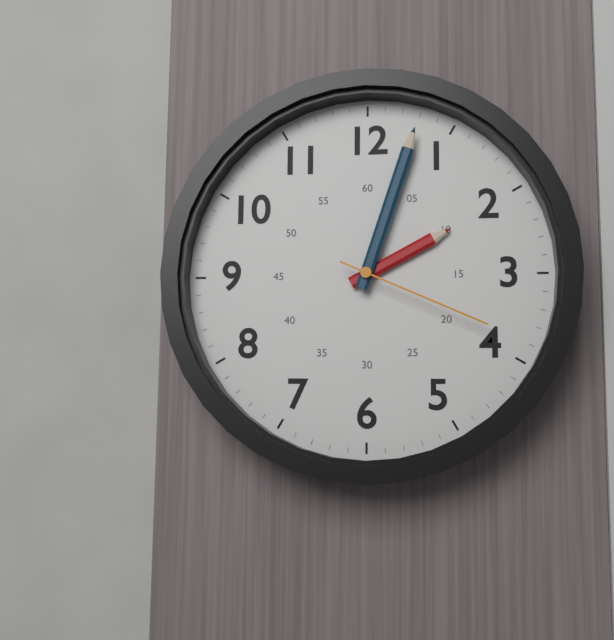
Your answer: **2:03:19**
